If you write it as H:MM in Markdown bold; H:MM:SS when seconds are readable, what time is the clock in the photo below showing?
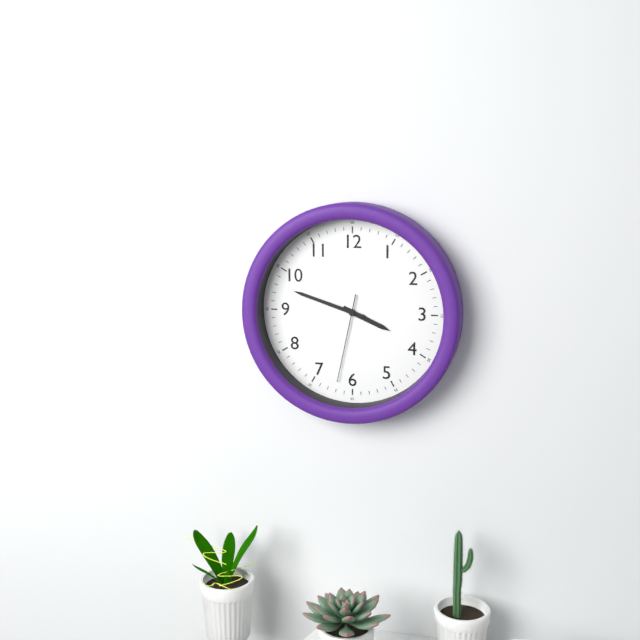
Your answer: **3:48:32**
